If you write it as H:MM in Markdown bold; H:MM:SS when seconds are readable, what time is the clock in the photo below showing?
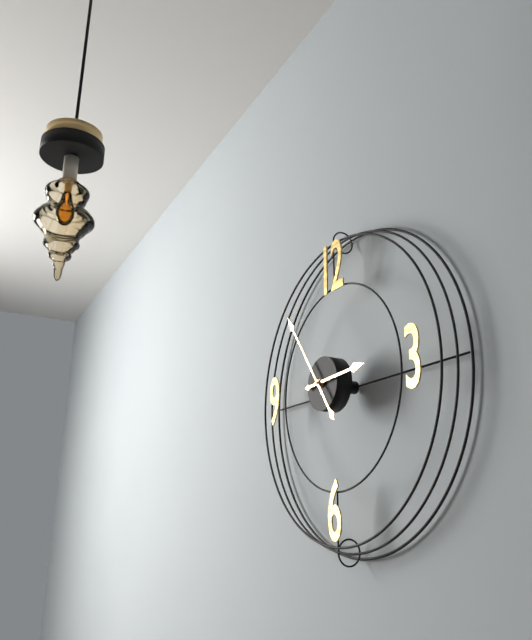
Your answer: **2:54**
